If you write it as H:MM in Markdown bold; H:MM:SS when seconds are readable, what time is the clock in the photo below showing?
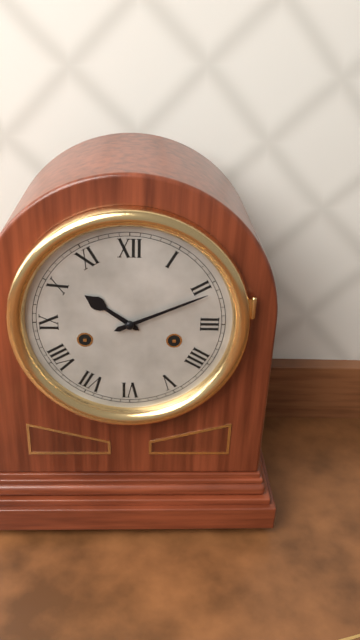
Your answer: **10:11**
